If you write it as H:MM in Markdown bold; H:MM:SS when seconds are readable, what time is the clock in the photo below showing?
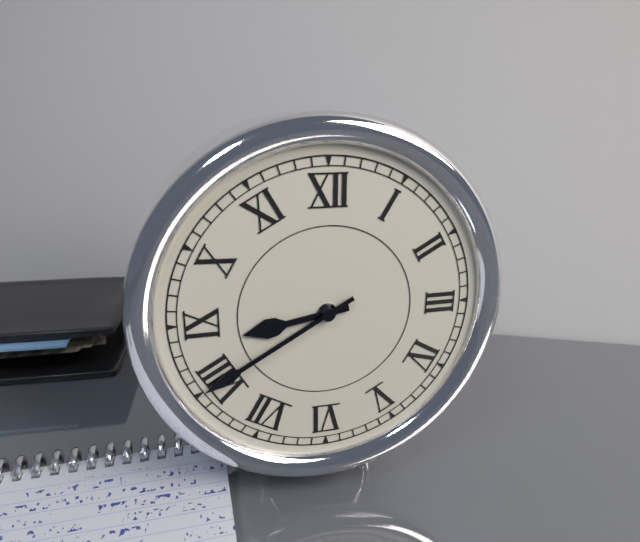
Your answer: **8:40**
